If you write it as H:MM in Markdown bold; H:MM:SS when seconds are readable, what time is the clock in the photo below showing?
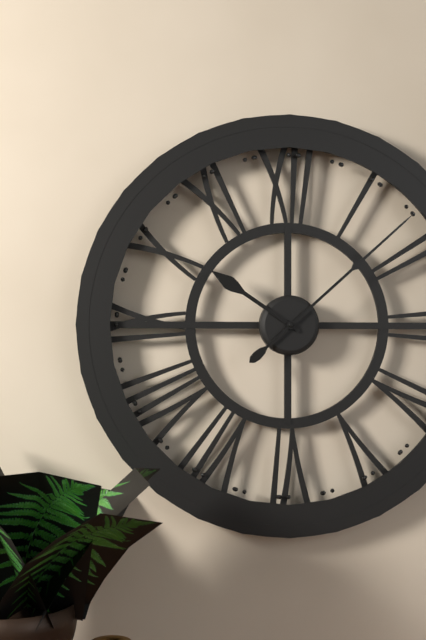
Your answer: **10:08**
